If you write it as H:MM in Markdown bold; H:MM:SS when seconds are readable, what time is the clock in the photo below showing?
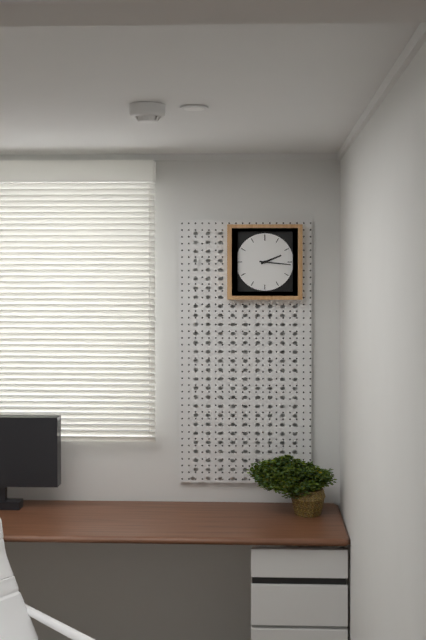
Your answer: **2:16**
